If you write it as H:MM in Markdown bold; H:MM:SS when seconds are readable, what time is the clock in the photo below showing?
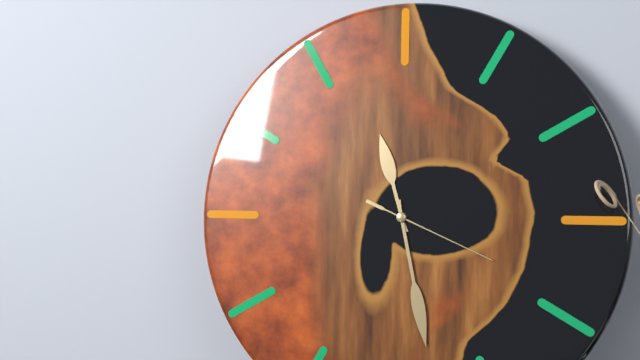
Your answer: **11:28:19**
